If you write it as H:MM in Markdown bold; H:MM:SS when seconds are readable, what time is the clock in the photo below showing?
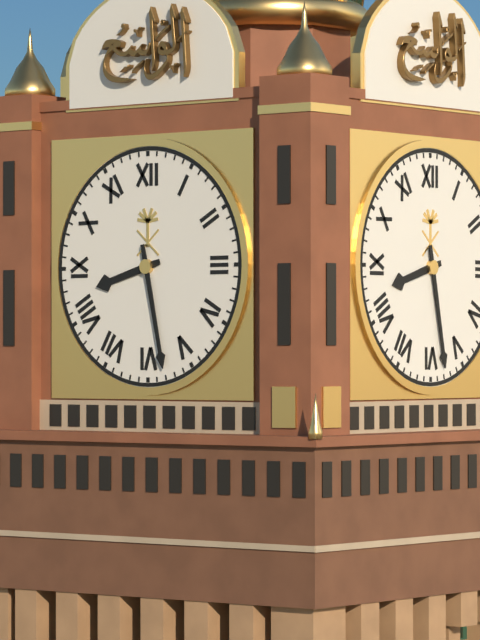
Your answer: **8:28**
